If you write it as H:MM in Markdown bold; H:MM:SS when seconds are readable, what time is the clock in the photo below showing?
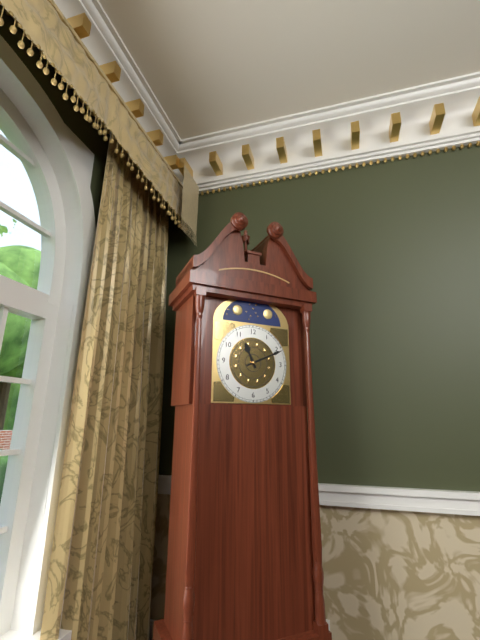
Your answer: **11:11**
